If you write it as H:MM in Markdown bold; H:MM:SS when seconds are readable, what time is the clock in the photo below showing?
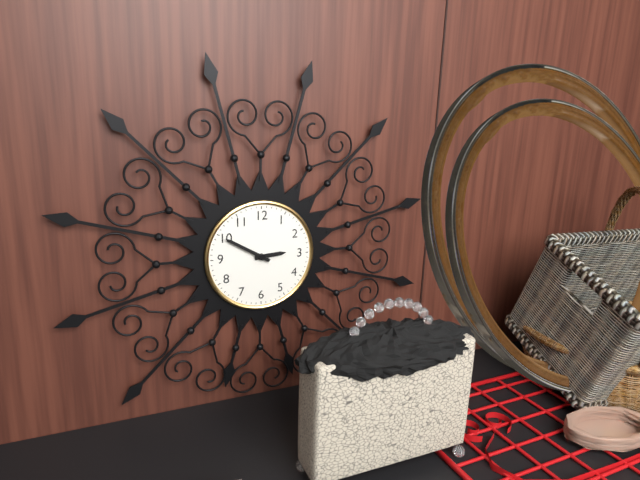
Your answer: **2:50**
